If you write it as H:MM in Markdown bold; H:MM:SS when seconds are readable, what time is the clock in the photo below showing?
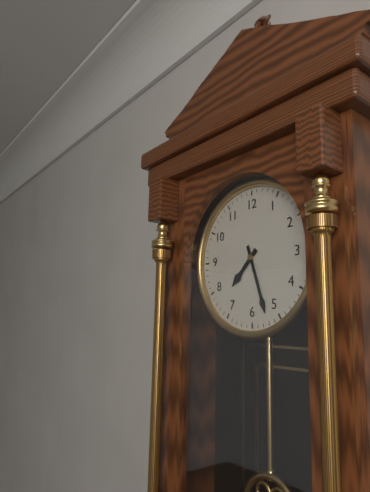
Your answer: **7:27**
